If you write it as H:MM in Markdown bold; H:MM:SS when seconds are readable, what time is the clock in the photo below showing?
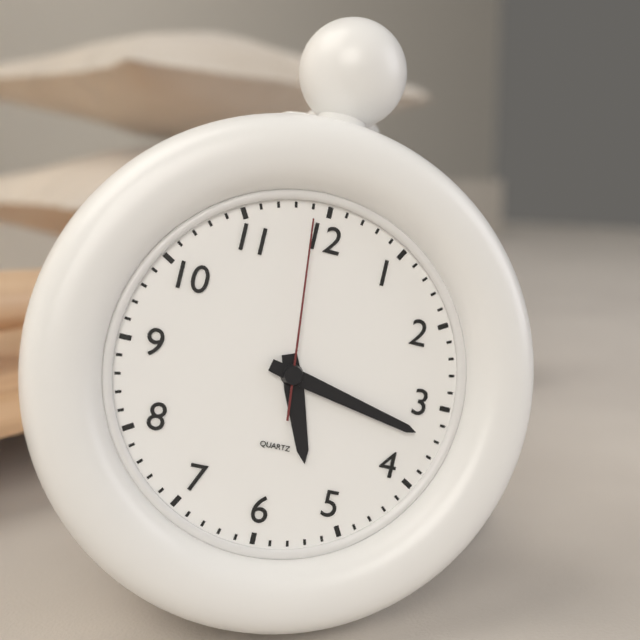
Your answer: **5:17:59**
